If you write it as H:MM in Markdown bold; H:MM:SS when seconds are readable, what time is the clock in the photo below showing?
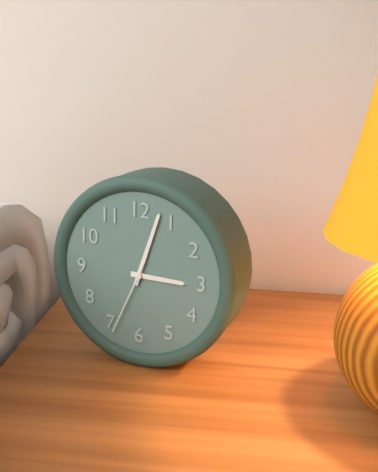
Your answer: **3:03:34**
